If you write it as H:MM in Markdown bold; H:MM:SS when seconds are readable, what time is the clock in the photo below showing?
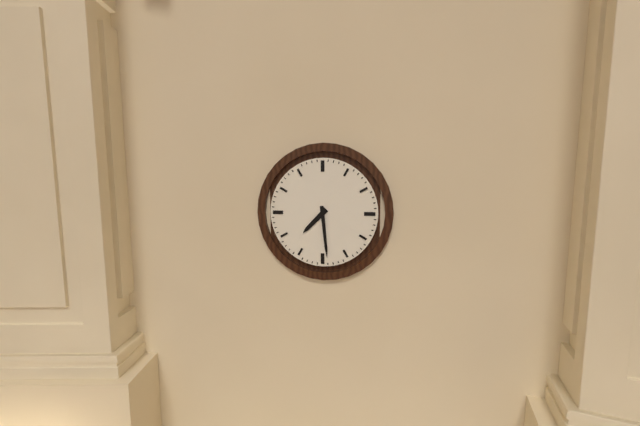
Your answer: **7:29**
